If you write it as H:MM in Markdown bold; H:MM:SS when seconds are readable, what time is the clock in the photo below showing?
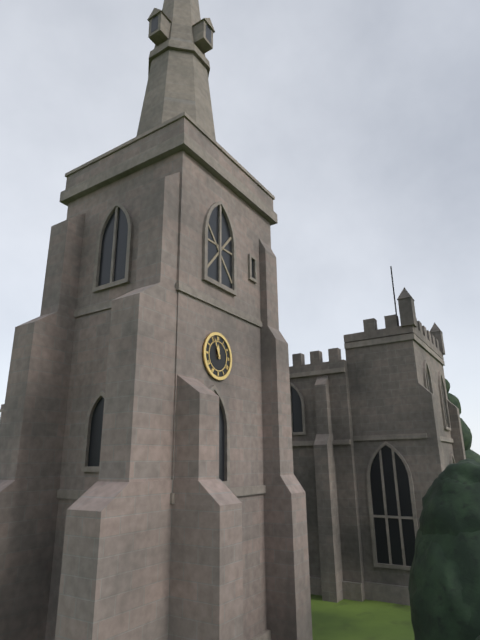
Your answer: **11:56**
